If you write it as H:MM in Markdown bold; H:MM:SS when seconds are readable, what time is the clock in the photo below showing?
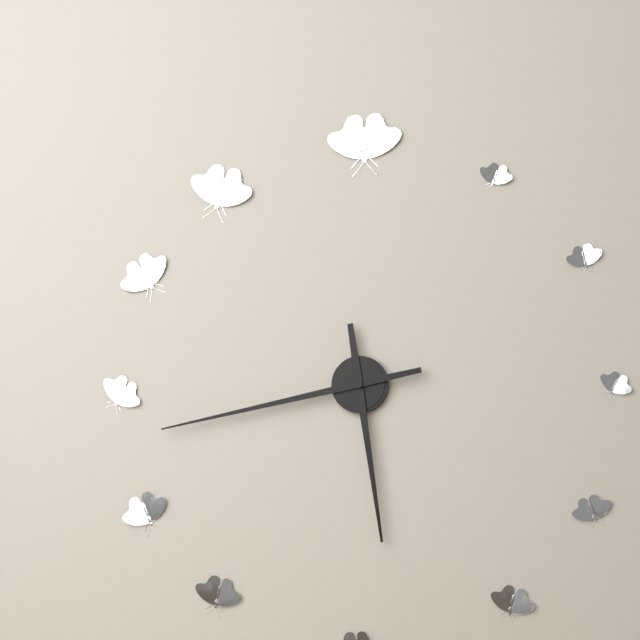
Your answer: **5:43**
